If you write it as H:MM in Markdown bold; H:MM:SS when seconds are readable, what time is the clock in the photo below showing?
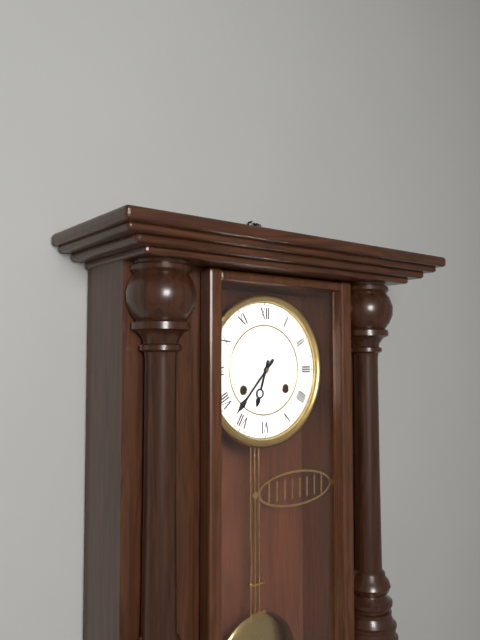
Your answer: **6:37**
